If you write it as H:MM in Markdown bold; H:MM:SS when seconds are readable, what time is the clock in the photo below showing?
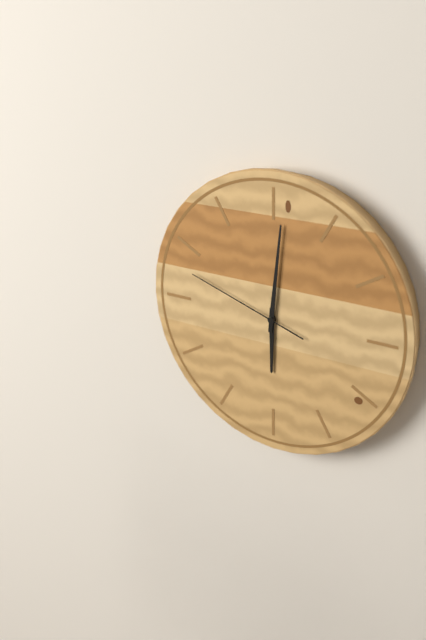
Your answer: **6:01:48**
